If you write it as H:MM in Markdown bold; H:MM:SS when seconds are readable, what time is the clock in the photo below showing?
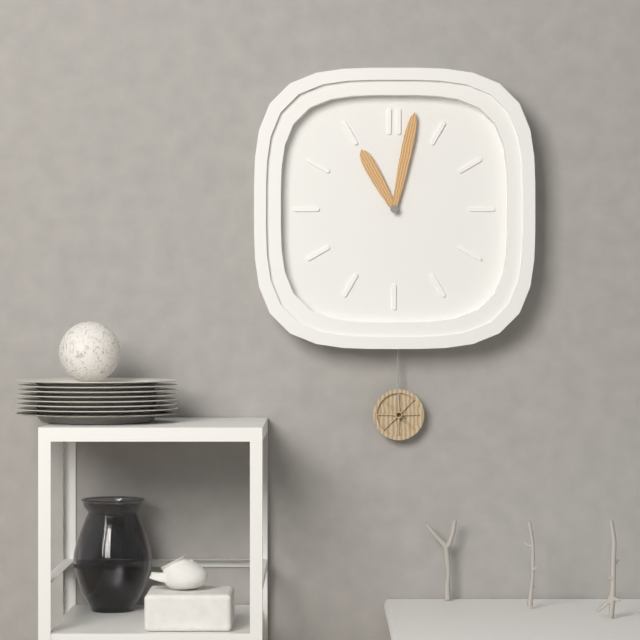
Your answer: **11:02**
